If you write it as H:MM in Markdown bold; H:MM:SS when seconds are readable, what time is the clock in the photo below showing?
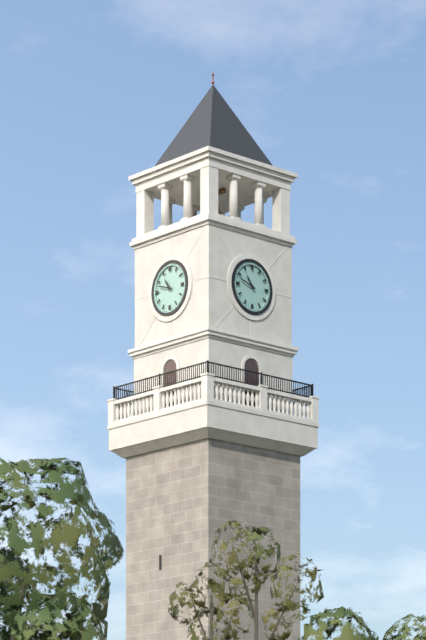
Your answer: **10:48**
